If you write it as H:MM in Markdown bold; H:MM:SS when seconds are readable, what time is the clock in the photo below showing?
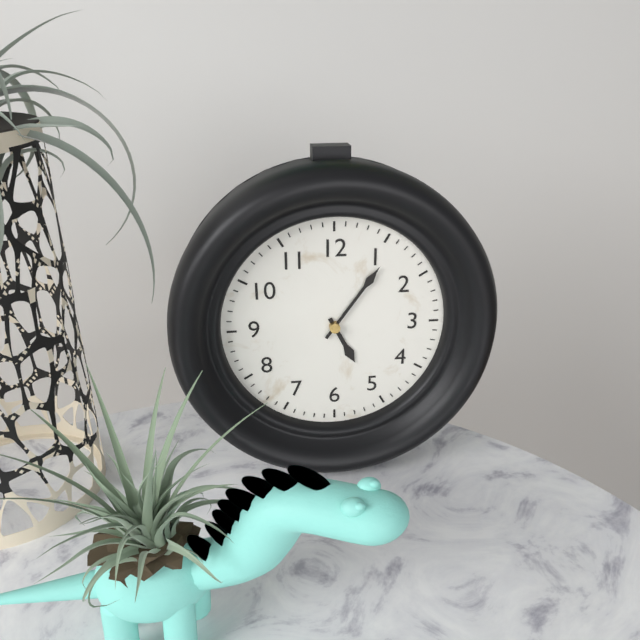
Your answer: **5:06**
